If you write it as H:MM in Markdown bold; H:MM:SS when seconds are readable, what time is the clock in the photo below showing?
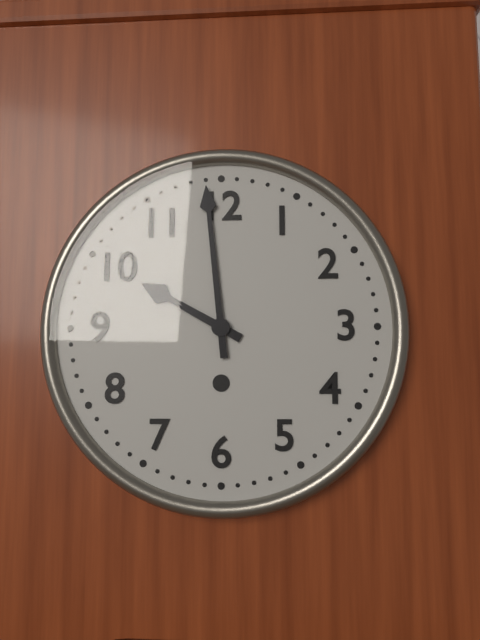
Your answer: **9:59**
